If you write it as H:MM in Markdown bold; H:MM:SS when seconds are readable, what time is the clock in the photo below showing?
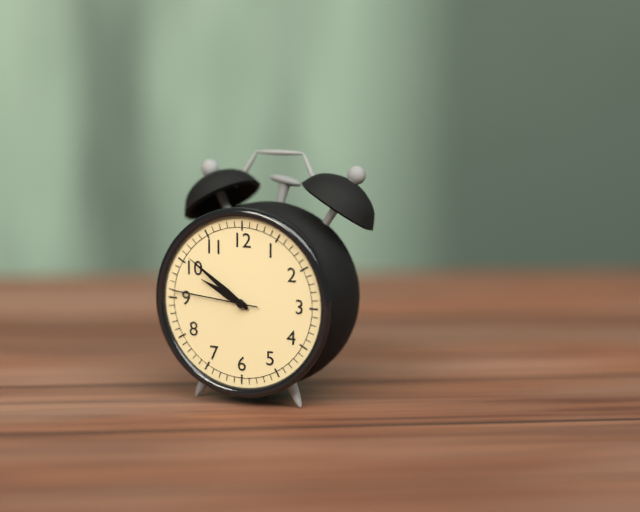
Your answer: **9:51:46**
